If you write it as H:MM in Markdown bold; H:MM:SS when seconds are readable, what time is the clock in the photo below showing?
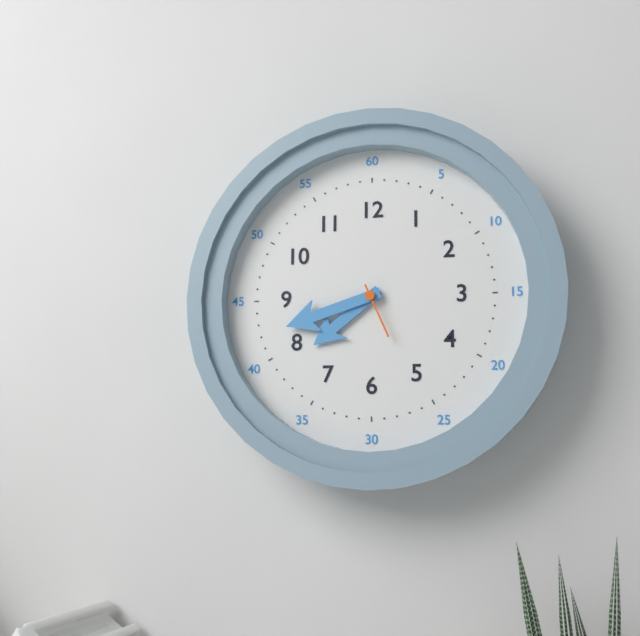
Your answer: **7:42**
